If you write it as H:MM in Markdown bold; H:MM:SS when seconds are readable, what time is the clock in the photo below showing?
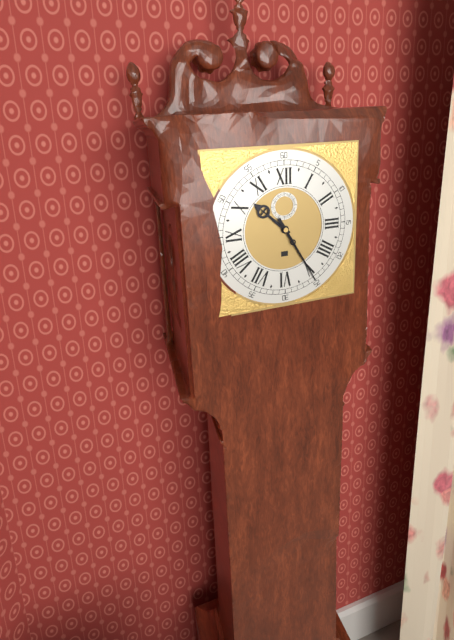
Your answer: **10:25**
